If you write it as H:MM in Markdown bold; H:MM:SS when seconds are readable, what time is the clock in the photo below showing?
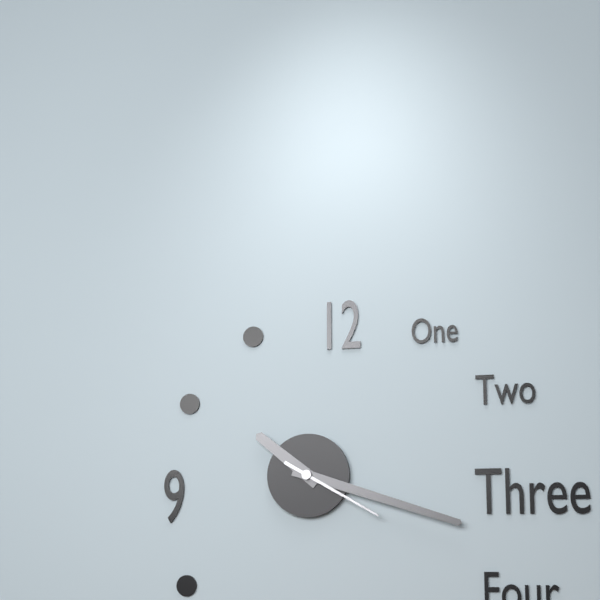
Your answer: **10:18:20**
